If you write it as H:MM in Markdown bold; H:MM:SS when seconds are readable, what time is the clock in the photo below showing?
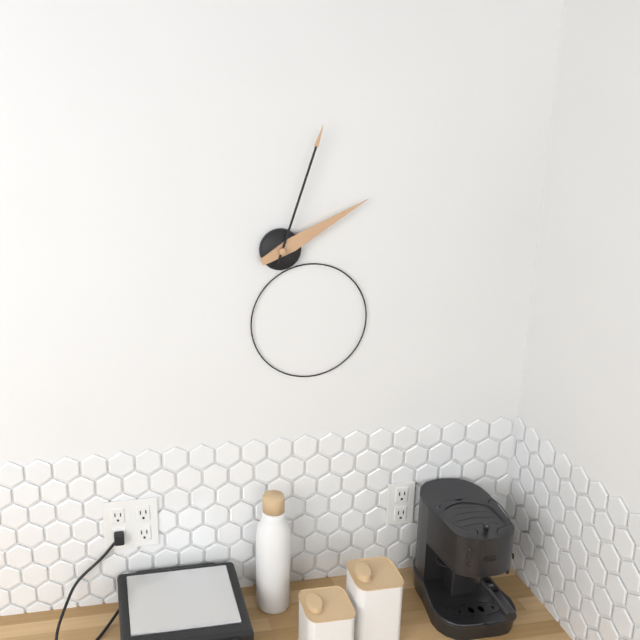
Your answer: **2:03**
